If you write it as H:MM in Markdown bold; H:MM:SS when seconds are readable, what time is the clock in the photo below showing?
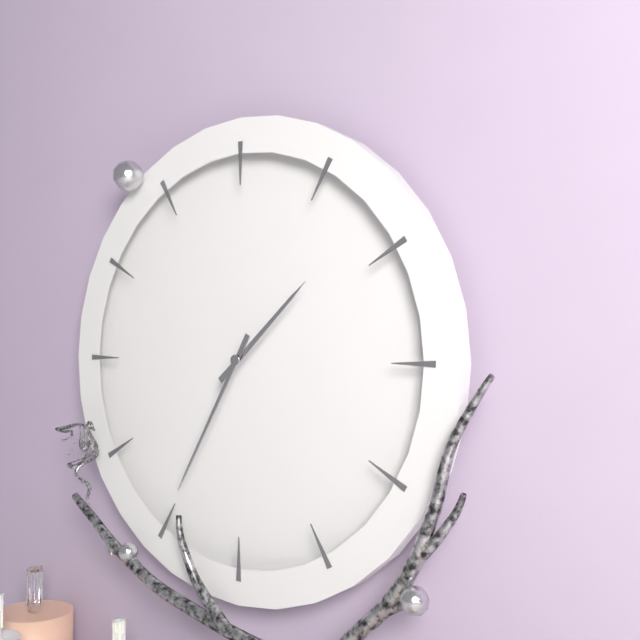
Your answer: **1:35**
